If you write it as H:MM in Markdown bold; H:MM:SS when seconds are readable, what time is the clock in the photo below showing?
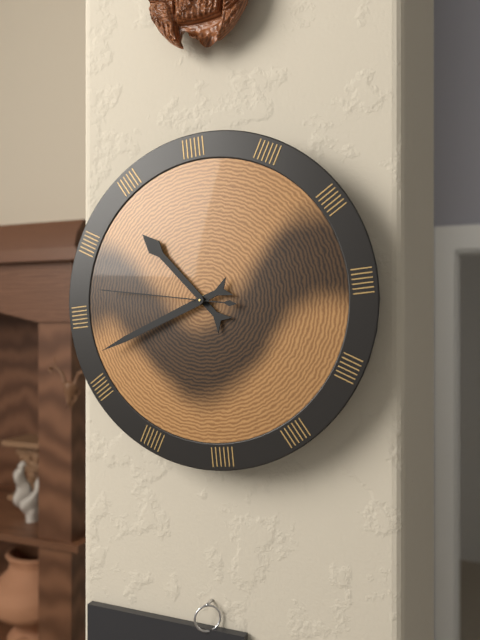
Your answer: **10:42:47**
